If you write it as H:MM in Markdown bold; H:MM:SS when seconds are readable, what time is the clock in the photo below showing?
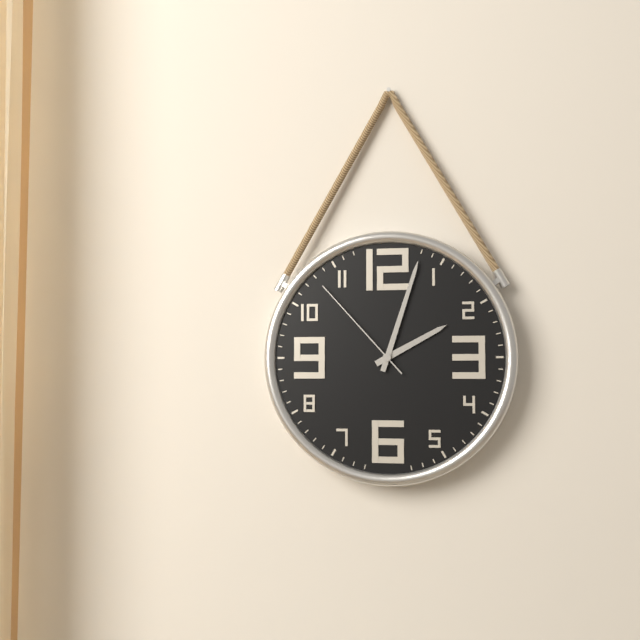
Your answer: **2:03:53**
